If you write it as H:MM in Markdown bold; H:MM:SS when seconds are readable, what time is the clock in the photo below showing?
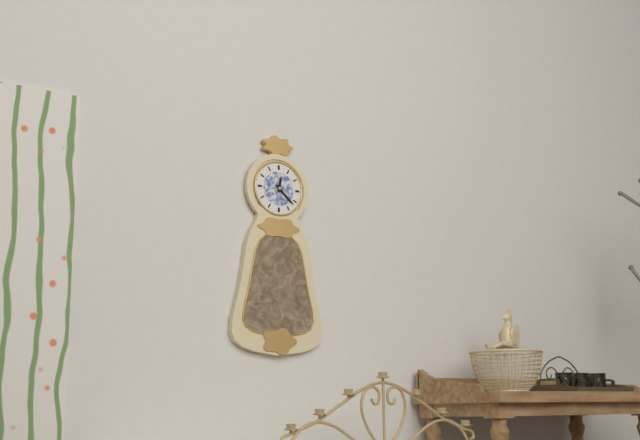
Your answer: **12:22**
